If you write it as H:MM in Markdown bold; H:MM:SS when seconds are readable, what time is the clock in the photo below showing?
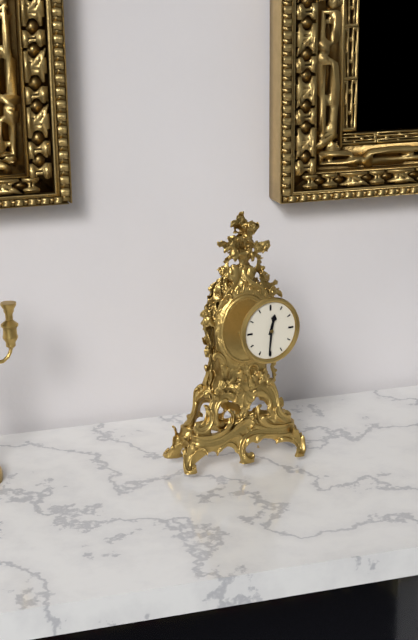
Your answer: **12:31**
